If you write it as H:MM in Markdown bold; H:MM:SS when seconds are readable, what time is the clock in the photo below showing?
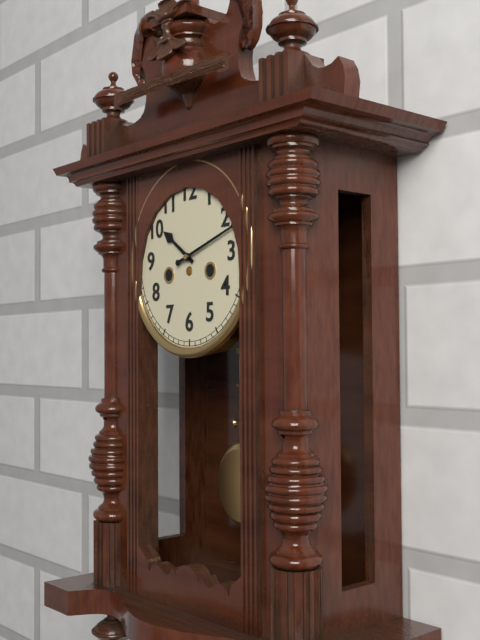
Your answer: **10:12**
